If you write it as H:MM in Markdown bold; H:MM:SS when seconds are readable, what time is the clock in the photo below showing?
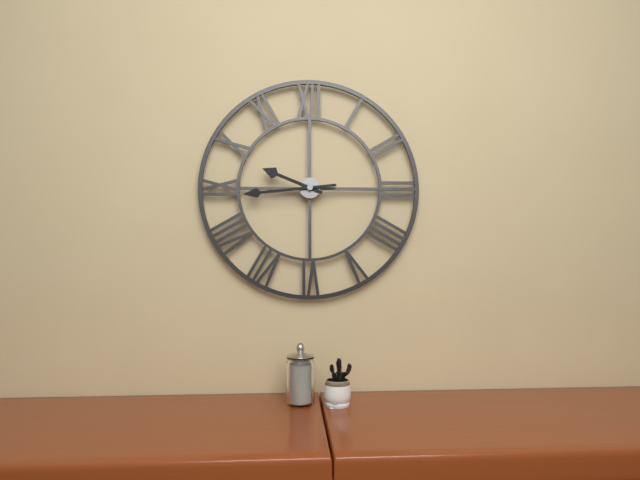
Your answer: **9:44**
